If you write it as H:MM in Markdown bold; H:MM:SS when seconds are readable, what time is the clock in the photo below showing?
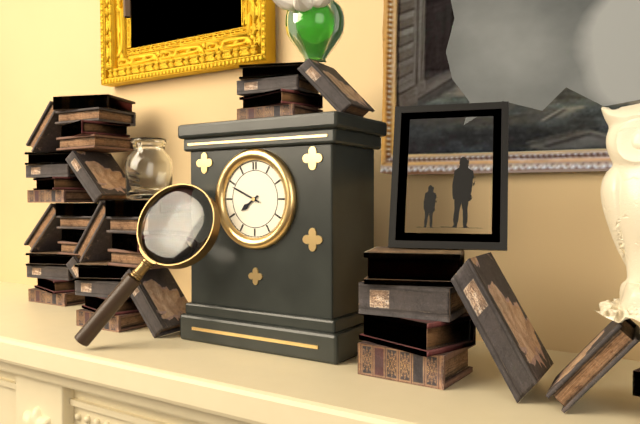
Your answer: **7:49**
